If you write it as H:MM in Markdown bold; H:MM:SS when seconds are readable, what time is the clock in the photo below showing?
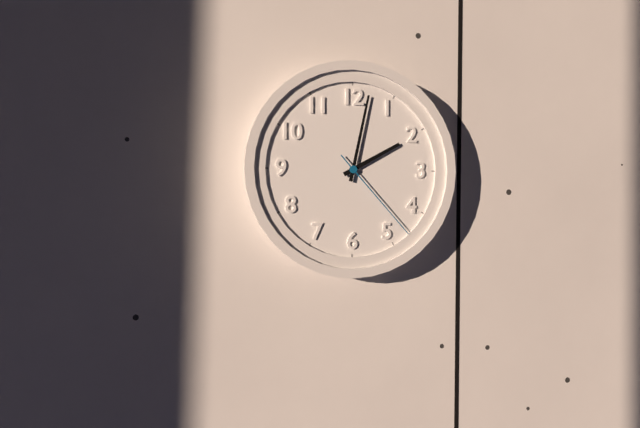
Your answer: **2:02:23**
